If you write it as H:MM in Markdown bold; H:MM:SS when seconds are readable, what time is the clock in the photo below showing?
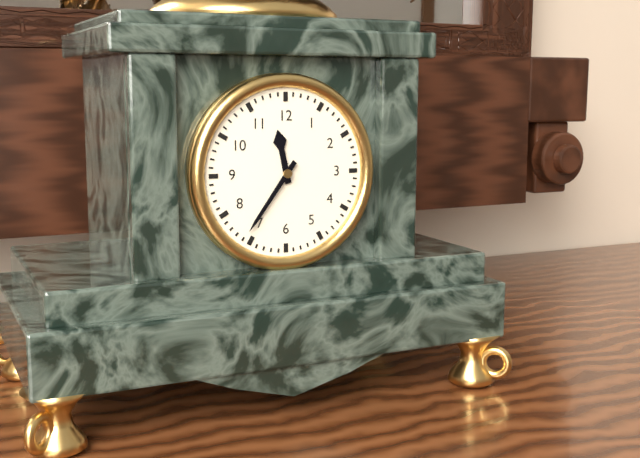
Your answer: **11:36**
